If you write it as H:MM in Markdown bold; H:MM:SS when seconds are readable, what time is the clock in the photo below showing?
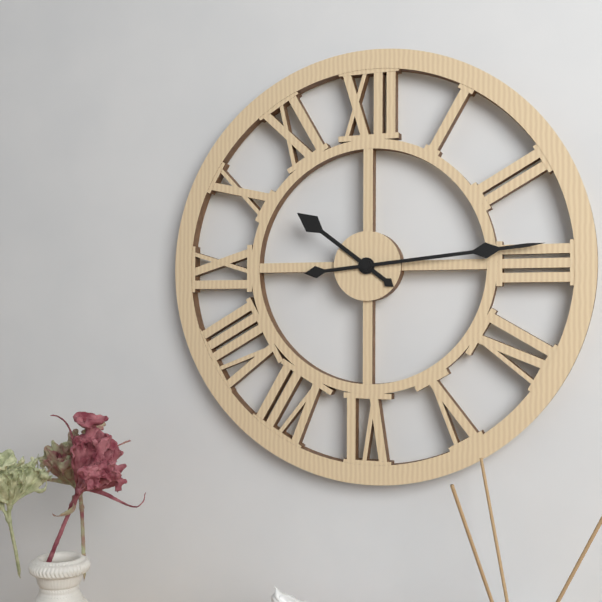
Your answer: **10:14**
